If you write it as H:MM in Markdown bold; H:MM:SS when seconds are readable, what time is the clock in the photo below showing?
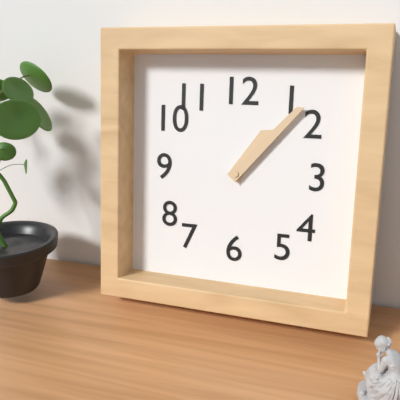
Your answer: **1:07**
